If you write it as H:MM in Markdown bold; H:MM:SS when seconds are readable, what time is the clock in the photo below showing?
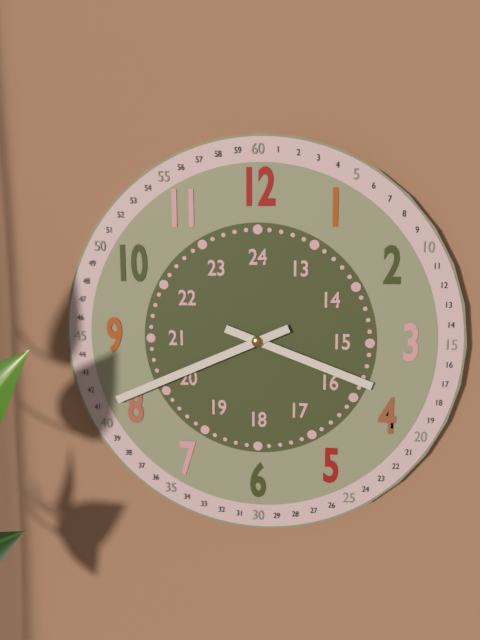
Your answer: **3:41**
